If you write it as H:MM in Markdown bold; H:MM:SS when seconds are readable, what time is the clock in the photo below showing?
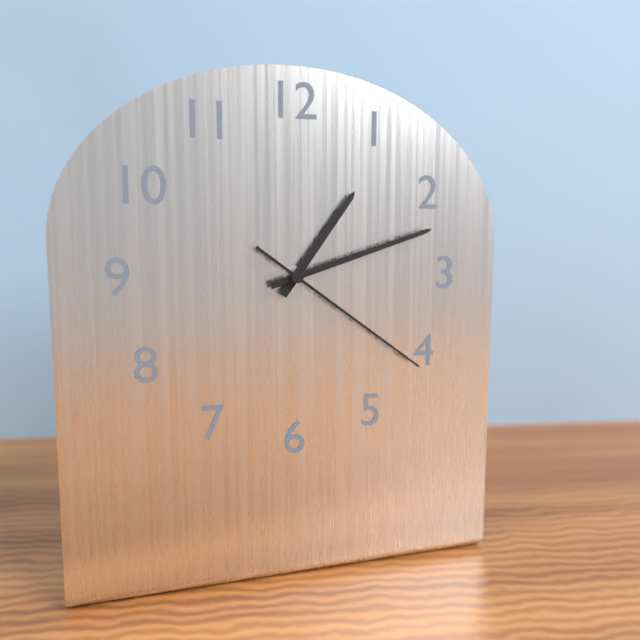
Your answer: **1:12:21**
